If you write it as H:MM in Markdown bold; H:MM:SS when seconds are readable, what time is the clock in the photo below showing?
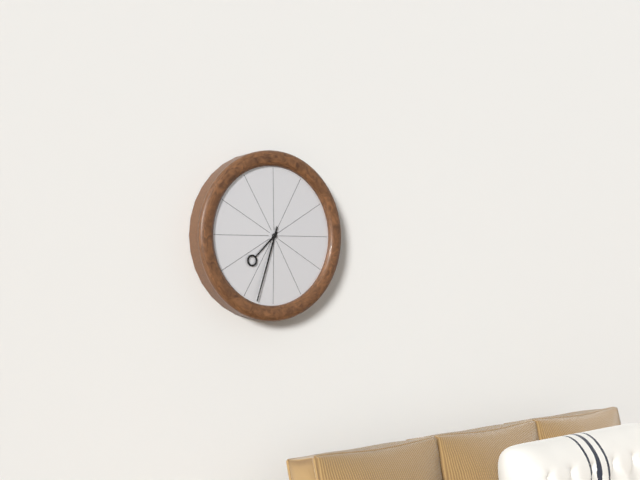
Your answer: **7:33**
